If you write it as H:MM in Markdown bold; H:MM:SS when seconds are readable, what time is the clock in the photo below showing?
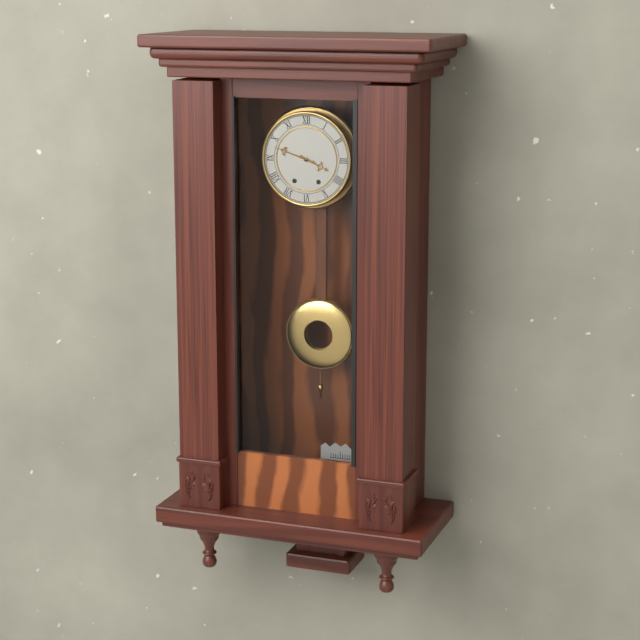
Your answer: **3:48**
